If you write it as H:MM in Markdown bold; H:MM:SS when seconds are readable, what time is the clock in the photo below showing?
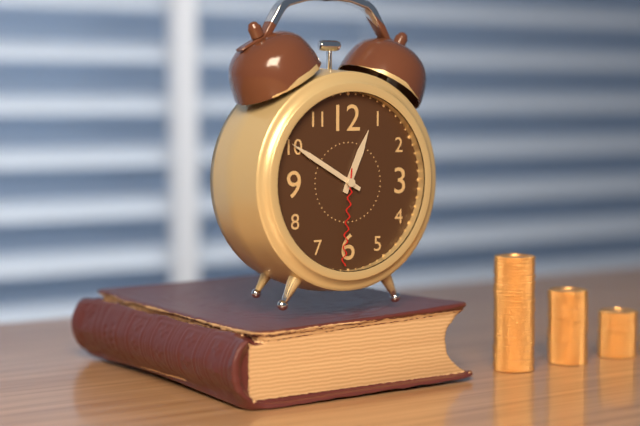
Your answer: **12:50:31**
